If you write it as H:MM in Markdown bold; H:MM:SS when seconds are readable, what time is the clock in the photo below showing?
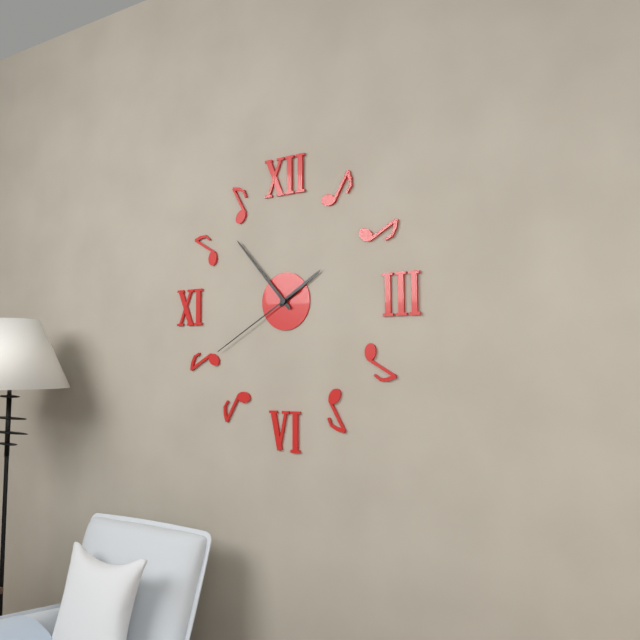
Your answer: **1:53:40**
